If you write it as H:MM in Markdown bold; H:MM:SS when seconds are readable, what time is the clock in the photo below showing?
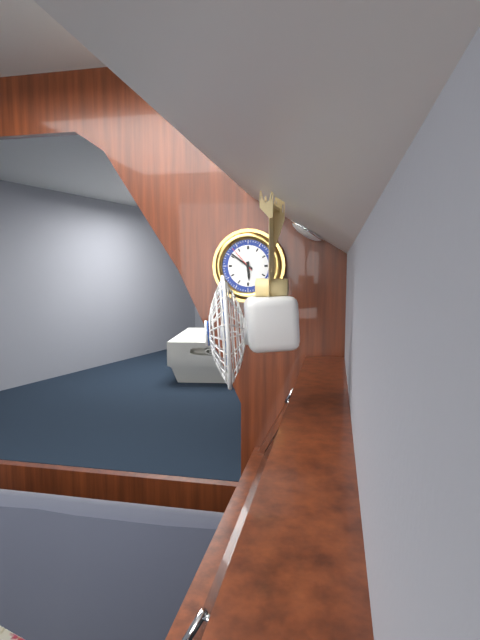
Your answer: **5:51**
